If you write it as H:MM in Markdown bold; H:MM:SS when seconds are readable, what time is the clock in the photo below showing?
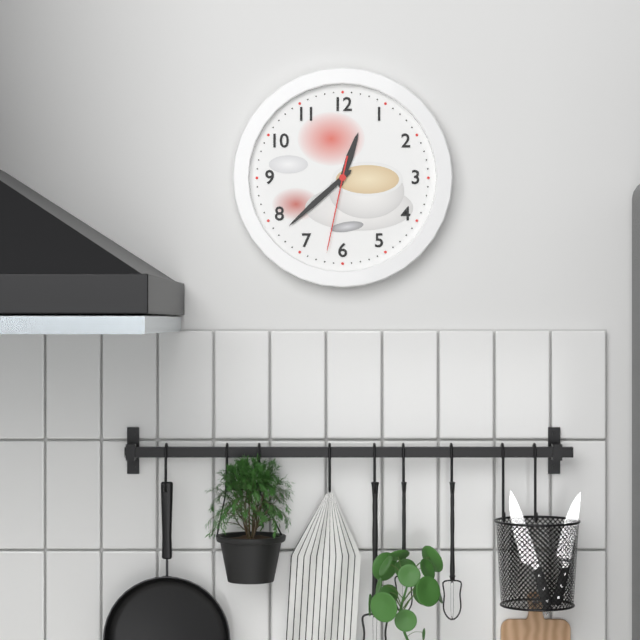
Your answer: **12:38:32**
